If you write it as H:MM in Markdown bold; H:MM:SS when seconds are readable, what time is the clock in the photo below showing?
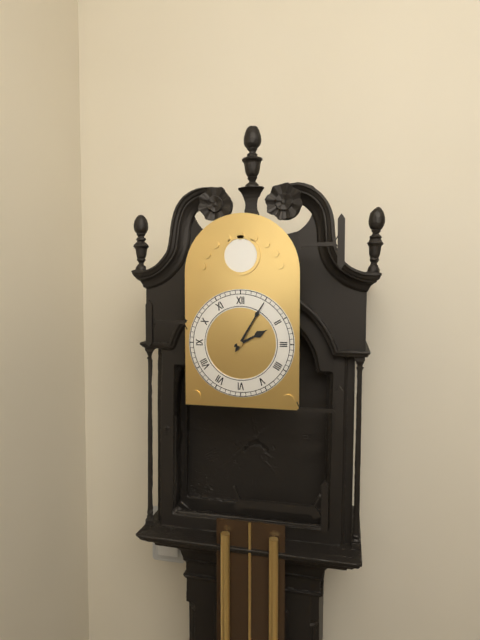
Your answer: **2:05**
